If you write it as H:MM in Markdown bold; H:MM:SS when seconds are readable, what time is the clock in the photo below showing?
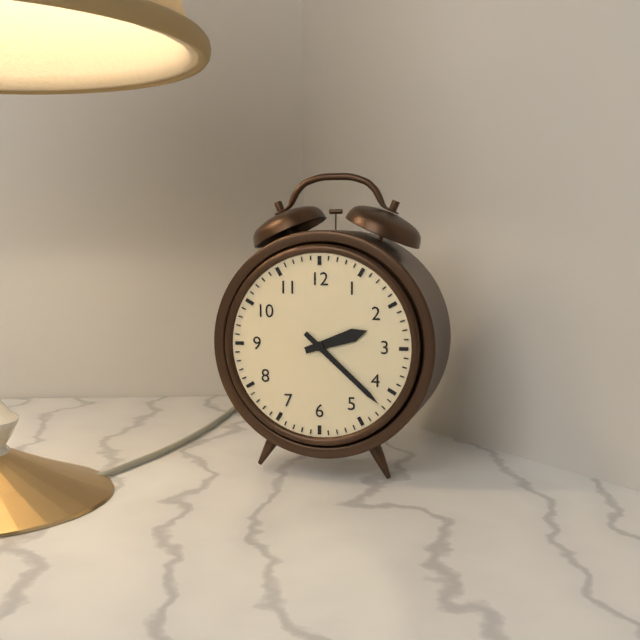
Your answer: **2:22**
